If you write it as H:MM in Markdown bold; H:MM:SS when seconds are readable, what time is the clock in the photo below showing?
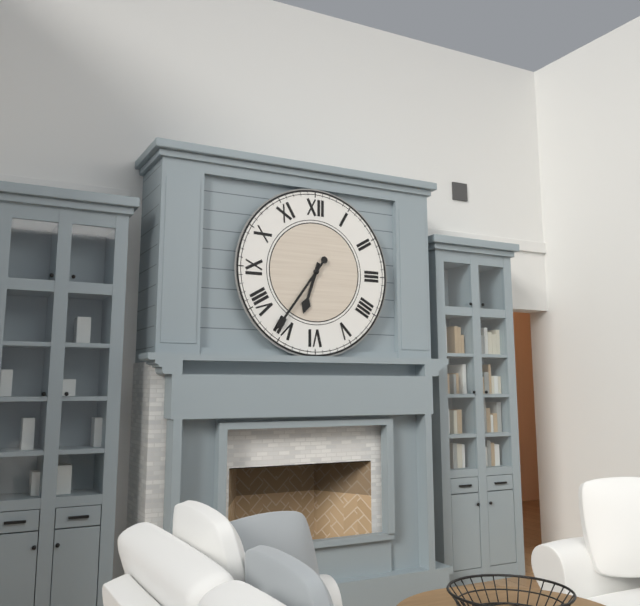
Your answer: **6:36**
